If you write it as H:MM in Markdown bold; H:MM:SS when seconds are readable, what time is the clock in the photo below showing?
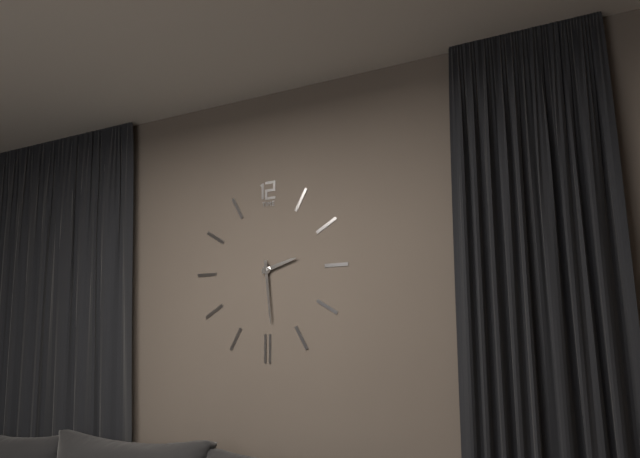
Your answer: **2:29**
